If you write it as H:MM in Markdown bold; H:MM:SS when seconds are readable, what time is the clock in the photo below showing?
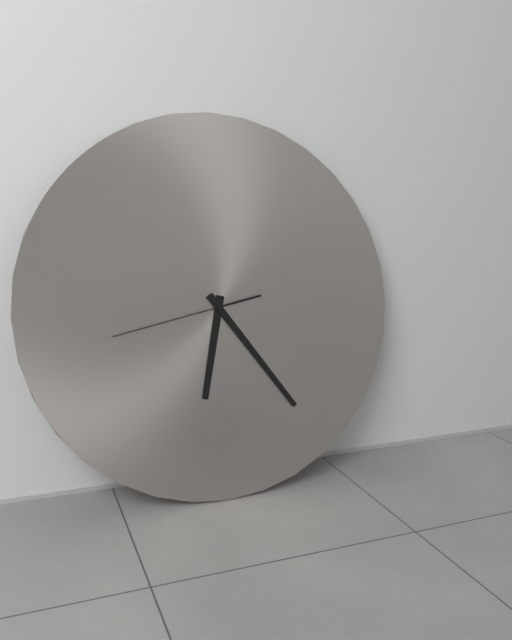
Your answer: **6:24:43**
